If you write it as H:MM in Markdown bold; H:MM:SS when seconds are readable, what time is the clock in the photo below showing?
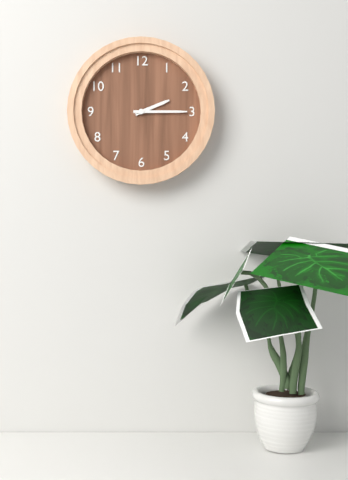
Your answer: **2:15**
